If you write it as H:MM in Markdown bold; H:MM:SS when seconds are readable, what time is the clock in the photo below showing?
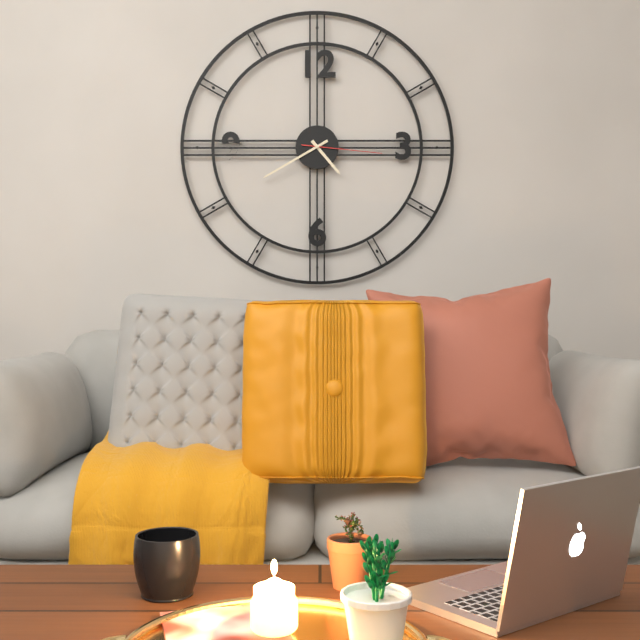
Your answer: **4:40:16**
